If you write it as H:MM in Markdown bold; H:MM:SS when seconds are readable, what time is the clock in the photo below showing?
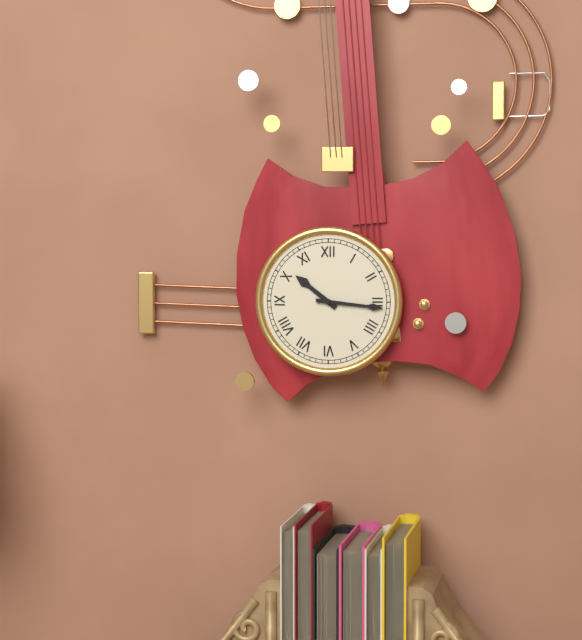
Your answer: **10:16**
